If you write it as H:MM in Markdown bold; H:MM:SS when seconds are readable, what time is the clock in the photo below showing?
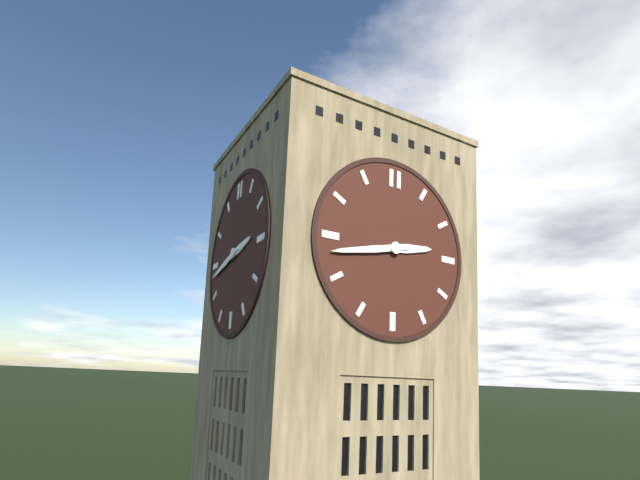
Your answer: **2:43**
